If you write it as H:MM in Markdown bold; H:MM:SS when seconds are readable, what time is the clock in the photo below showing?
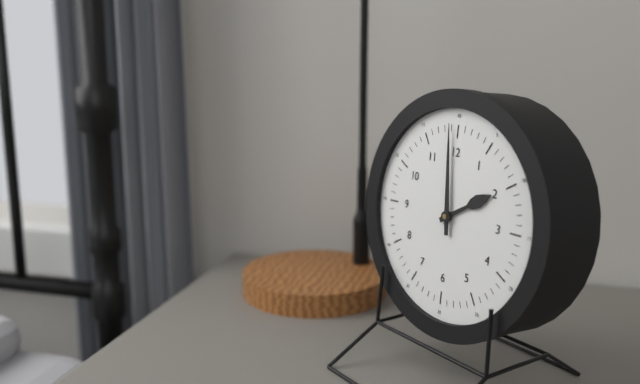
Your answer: **1:59**
